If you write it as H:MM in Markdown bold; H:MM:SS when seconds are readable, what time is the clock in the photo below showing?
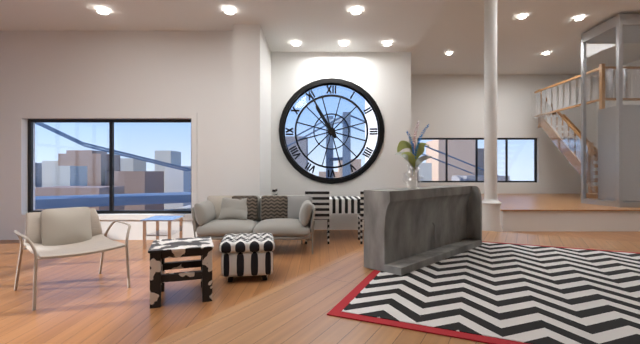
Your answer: **10:55**
